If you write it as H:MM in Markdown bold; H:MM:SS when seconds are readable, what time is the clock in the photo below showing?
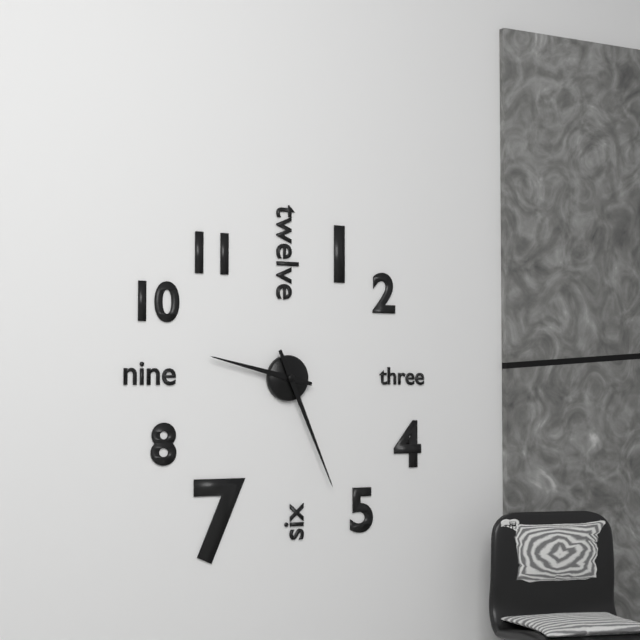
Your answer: **9:26**
